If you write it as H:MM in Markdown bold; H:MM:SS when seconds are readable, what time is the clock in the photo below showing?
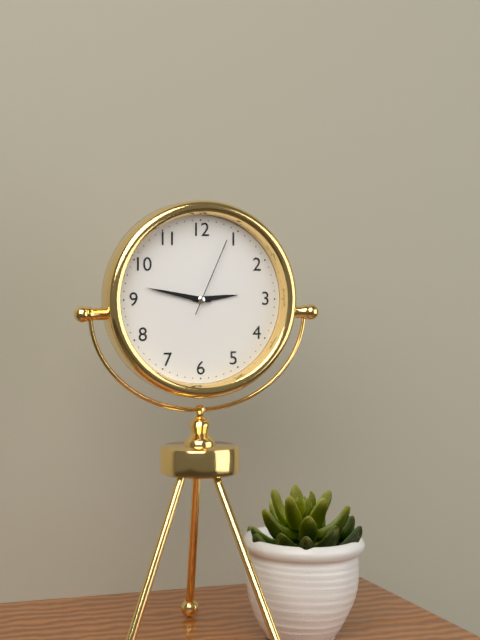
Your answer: **2:47:04**
